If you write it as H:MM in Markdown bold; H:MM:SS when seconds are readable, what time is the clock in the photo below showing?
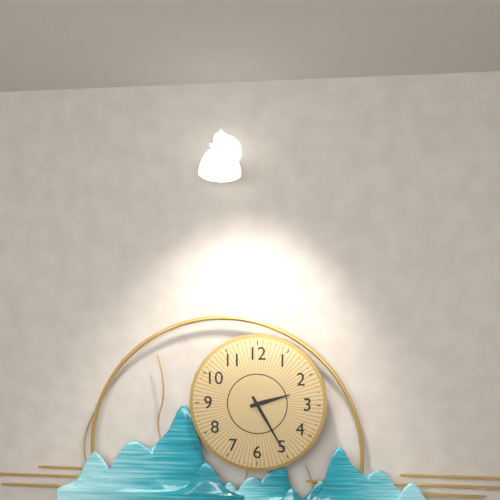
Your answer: **2:25**
